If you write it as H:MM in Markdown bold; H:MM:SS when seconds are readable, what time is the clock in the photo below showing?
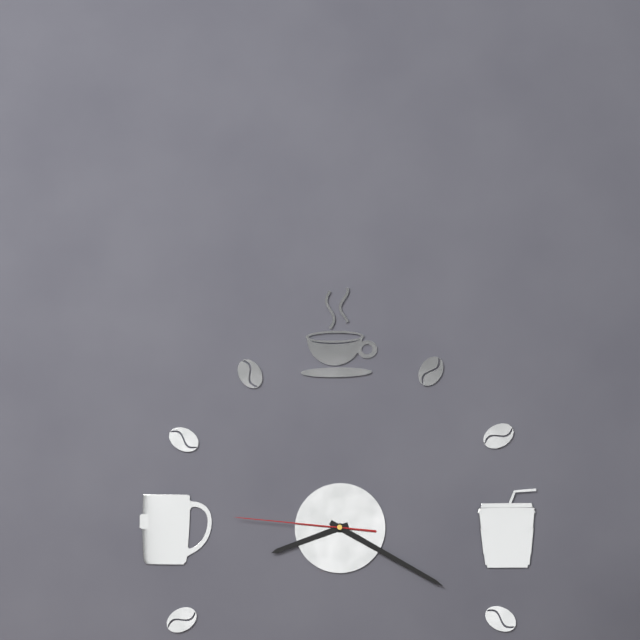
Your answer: **8:20:46**
